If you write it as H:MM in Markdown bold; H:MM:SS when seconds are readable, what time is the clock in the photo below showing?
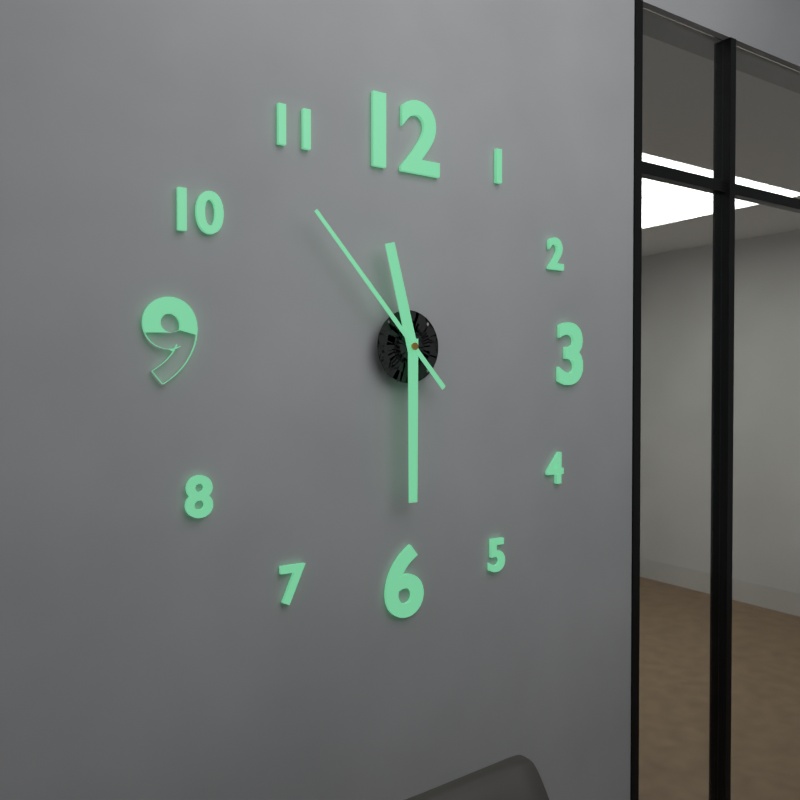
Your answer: **11:30:53**
